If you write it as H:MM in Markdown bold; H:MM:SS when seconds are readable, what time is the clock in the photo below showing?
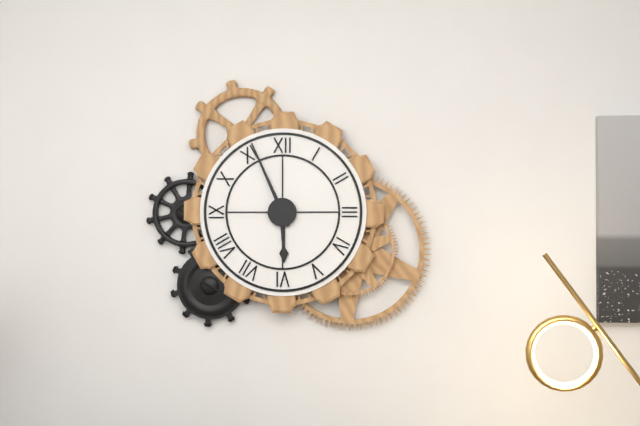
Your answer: **5:56**
